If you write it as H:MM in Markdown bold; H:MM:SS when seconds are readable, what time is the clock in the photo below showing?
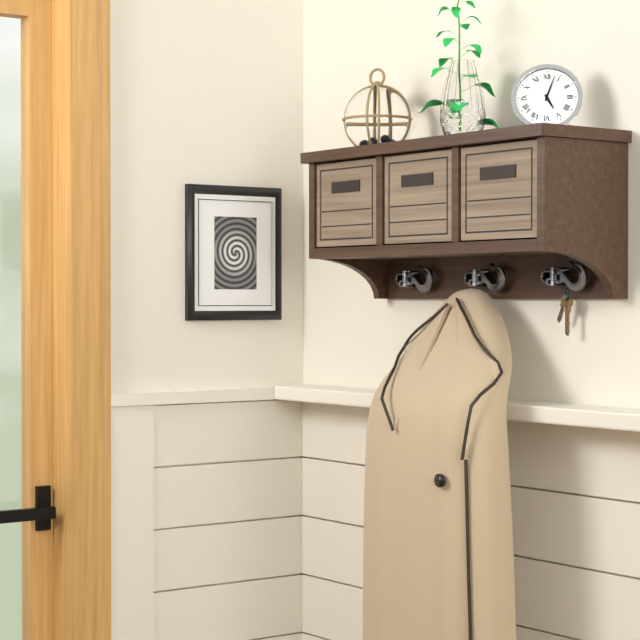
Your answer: **5:03**
